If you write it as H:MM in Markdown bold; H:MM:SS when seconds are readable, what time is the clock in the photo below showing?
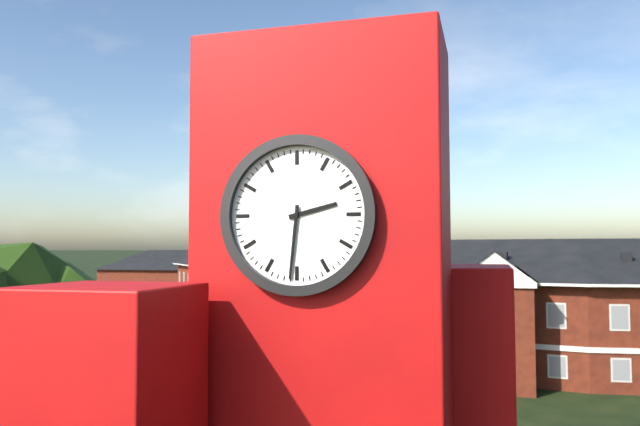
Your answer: **2:31**
